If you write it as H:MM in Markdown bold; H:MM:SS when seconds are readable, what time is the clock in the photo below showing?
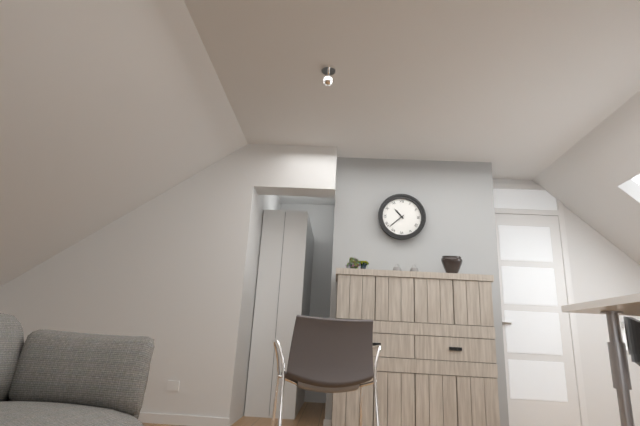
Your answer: **10:38**
